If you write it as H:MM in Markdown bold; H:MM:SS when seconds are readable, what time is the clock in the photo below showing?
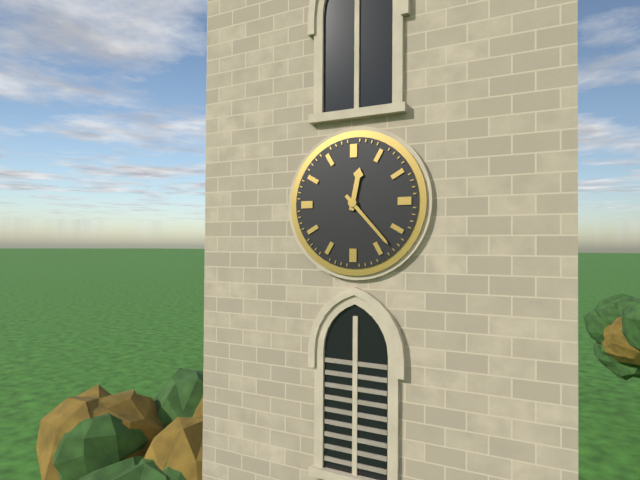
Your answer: **12:23**
